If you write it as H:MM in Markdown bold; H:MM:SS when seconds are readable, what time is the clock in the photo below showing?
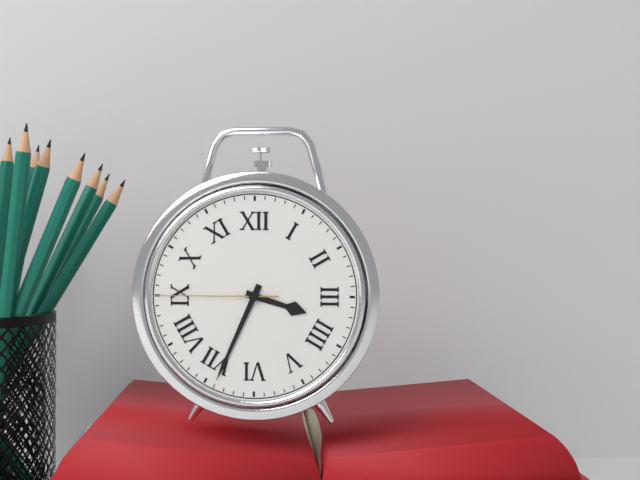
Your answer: **3:34:45**
